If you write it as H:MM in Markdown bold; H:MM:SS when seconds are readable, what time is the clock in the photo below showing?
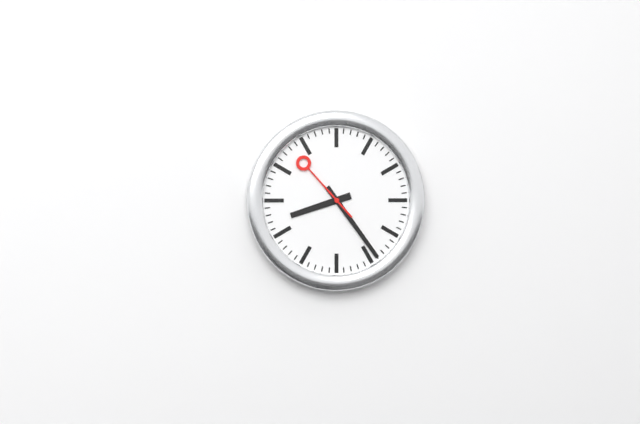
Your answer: **8:24:53**
